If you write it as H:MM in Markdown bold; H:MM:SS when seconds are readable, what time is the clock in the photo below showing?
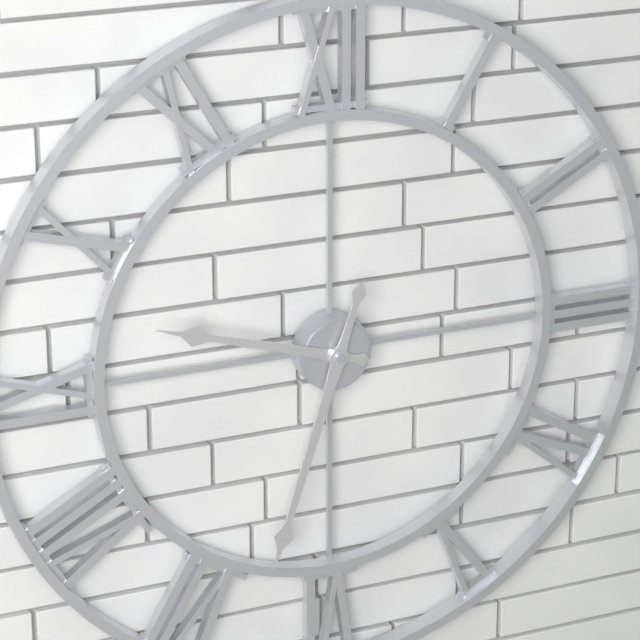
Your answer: **9:33**
